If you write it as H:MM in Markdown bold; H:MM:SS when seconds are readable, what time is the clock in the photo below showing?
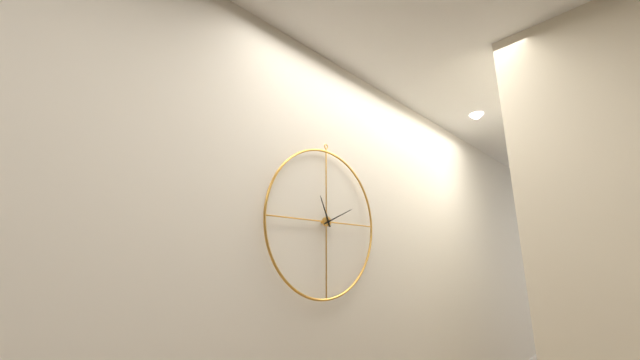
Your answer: **11:11**
